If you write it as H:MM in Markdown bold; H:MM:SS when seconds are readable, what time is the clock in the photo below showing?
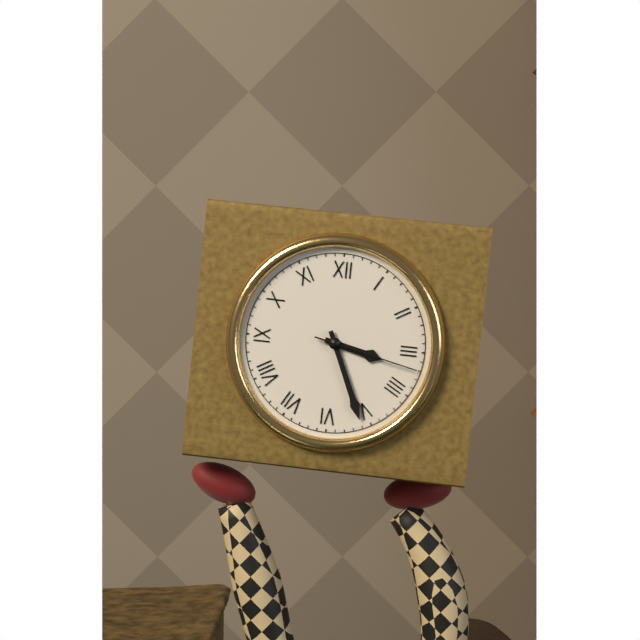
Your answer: **3:26:17**
